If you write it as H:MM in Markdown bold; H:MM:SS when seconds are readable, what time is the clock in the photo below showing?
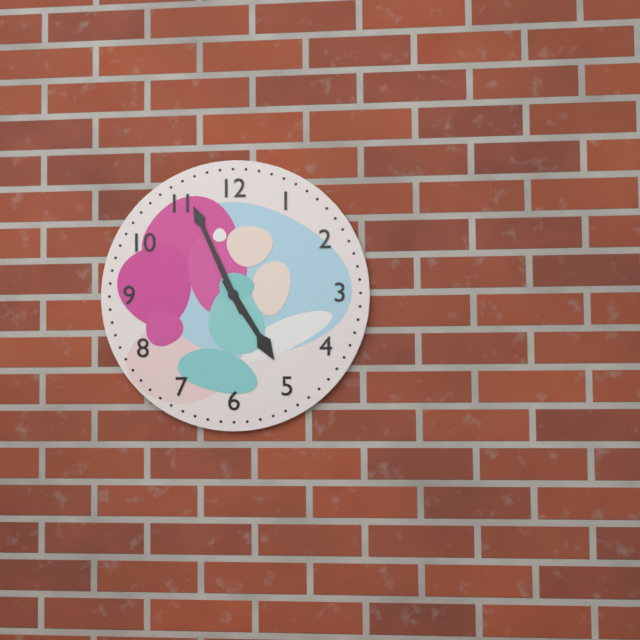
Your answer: **4:56**
